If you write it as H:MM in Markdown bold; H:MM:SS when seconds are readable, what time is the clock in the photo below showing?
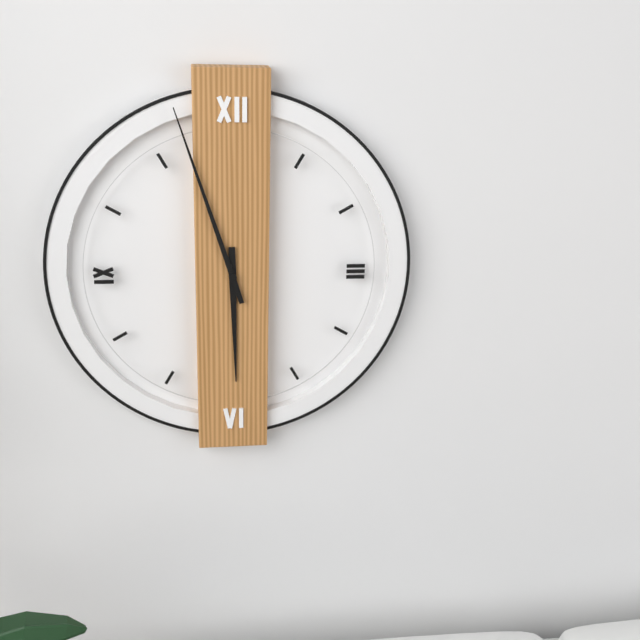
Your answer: **5:57**
